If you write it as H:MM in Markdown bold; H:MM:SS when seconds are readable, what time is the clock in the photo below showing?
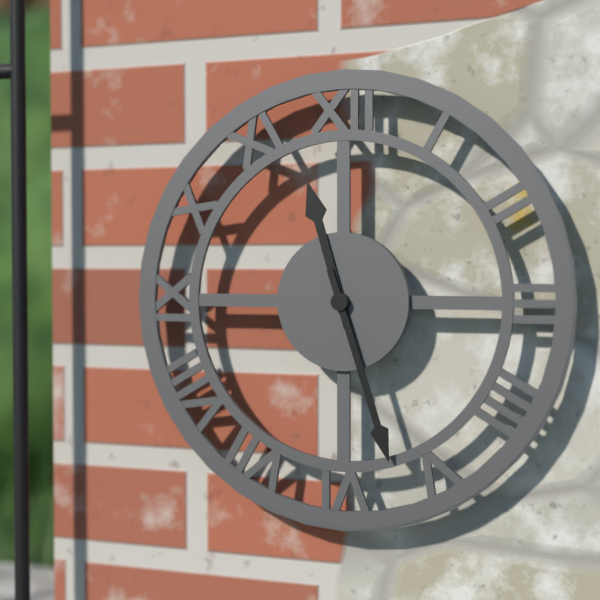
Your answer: **11:27**
